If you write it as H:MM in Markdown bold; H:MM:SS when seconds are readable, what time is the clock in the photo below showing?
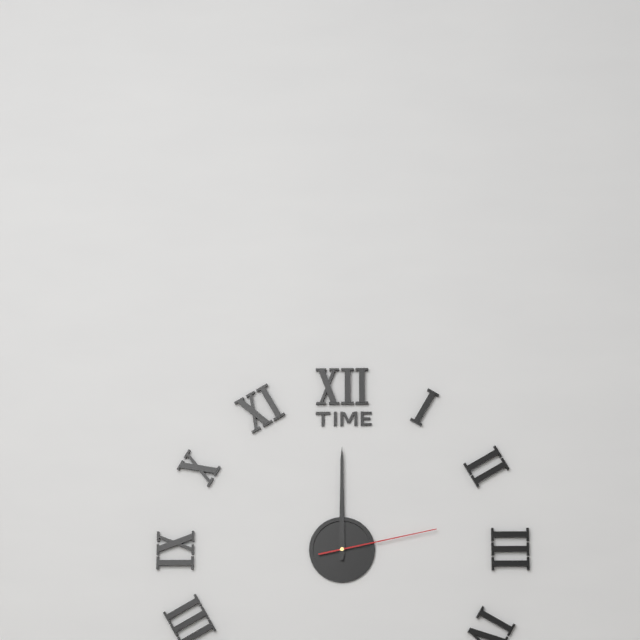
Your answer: **12:00:13**
